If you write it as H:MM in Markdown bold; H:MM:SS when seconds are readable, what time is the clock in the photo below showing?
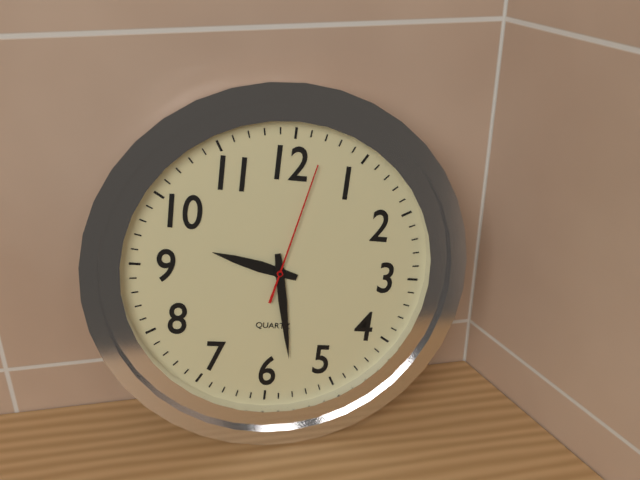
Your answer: **9:28:02**
